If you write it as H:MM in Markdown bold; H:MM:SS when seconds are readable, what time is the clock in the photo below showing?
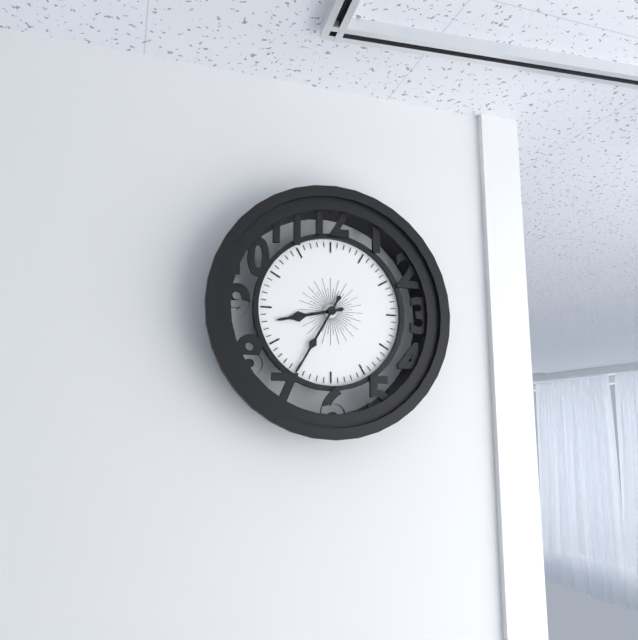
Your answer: **8:35**
